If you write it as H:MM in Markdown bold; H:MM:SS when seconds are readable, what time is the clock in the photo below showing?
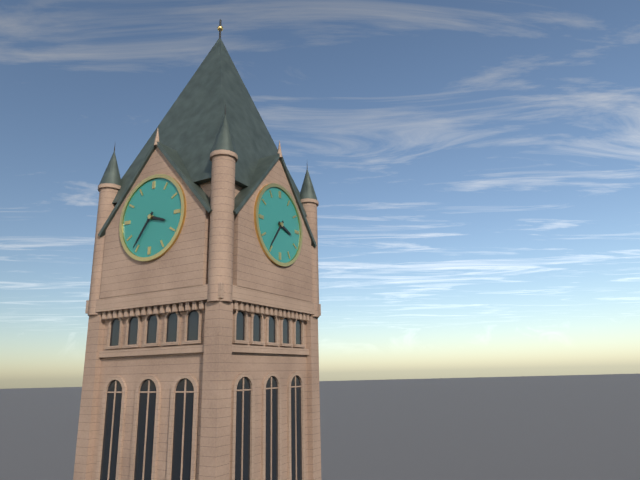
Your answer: **3:36**
